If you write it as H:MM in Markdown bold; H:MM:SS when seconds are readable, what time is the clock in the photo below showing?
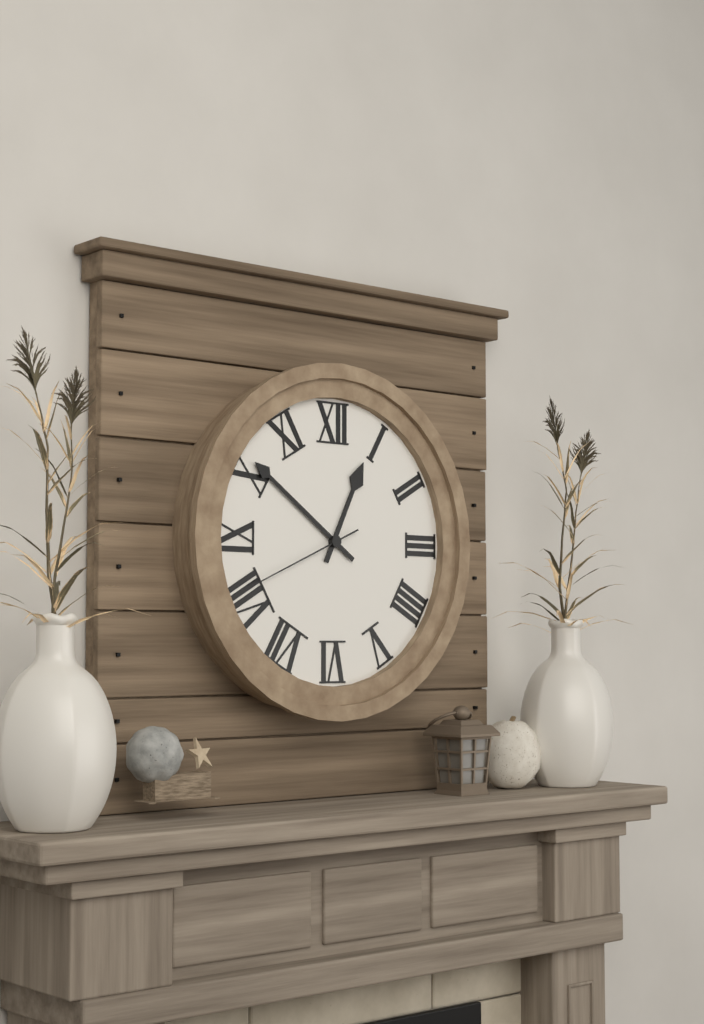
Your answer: **12:51:41**
